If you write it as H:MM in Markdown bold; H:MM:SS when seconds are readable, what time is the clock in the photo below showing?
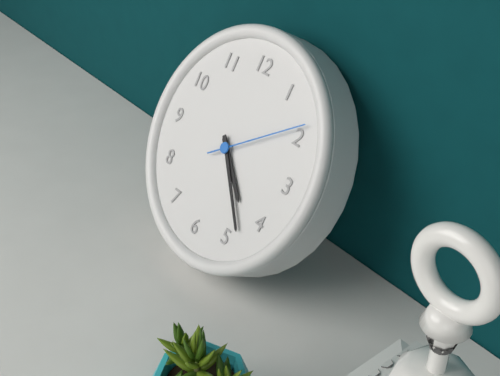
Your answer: **4:23:09**
